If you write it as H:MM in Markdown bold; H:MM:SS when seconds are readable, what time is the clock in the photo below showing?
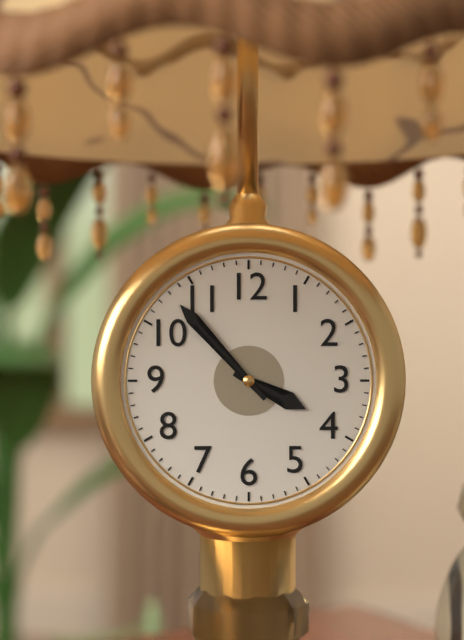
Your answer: **3:53**
